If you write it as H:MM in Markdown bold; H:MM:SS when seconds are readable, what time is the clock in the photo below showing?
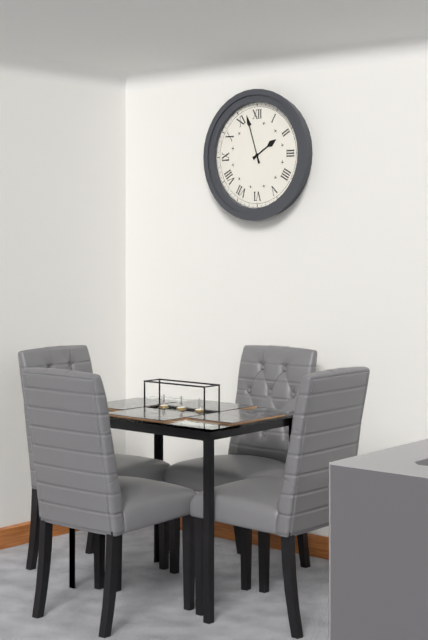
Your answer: **1:57**
